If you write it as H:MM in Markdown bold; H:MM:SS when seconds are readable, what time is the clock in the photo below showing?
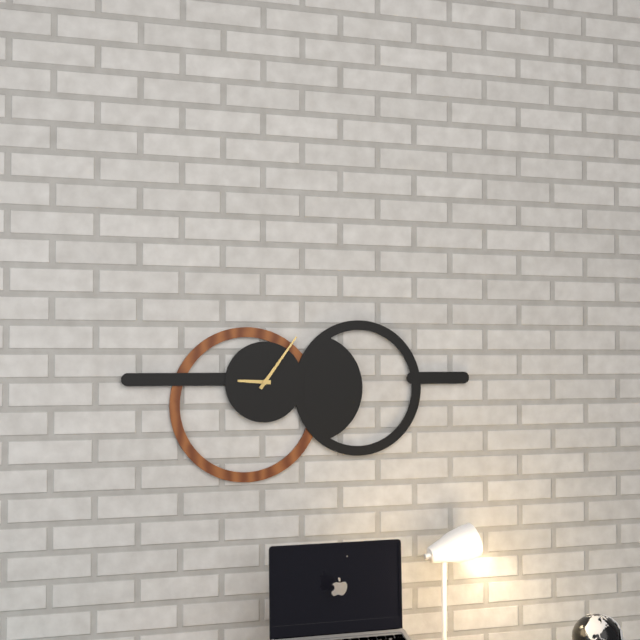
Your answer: **9:06**
